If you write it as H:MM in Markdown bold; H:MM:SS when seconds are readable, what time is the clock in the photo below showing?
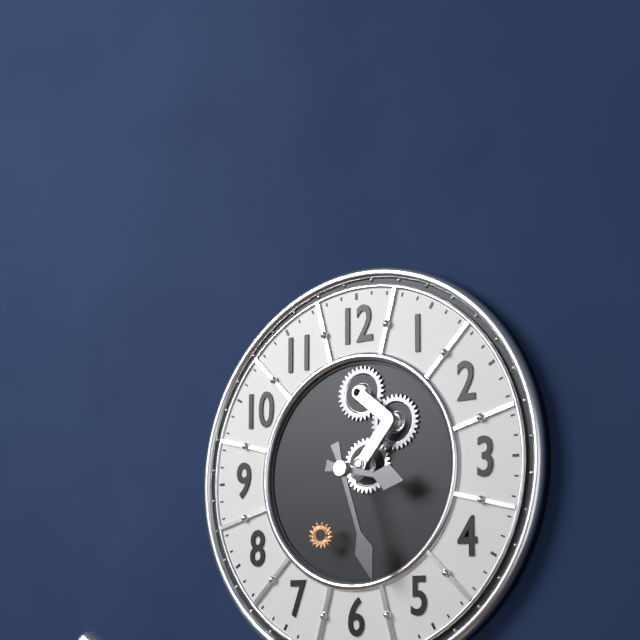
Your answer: **3:27**
